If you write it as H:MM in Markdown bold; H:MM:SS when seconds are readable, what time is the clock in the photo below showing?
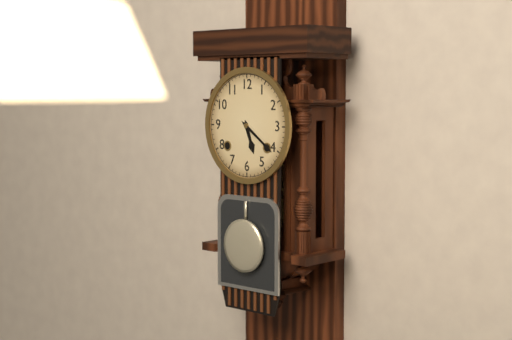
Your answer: **5:21**
